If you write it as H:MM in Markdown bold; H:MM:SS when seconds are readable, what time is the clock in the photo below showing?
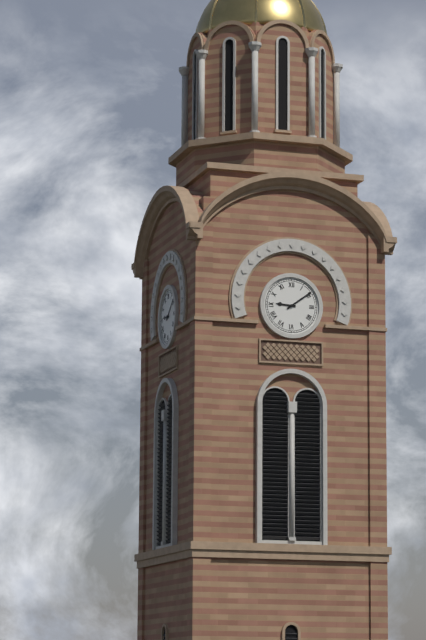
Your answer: **9:09**
